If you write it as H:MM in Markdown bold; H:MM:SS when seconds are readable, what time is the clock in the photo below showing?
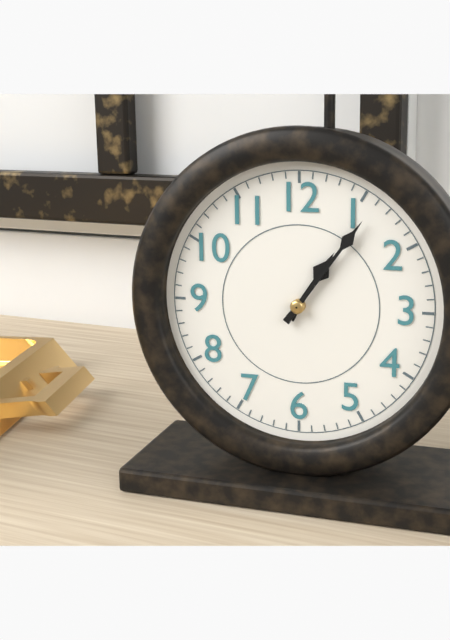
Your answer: **1:06**
